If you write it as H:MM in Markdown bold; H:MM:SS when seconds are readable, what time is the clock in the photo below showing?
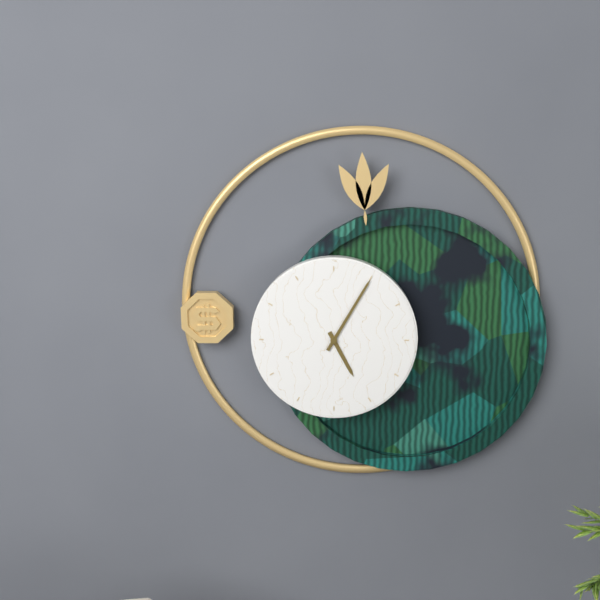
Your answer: **5:05**
